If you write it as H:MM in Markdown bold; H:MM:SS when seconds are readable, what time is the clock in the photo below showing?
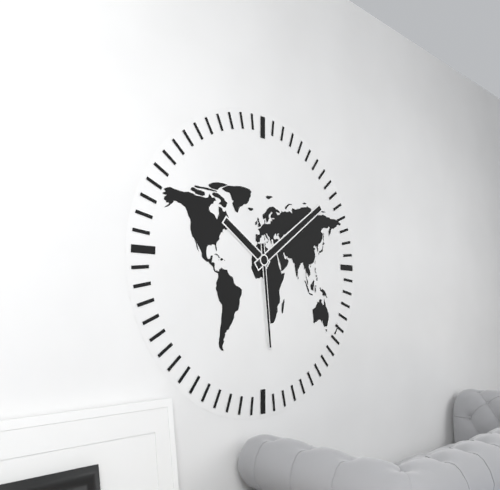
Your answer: **10:09:29**
